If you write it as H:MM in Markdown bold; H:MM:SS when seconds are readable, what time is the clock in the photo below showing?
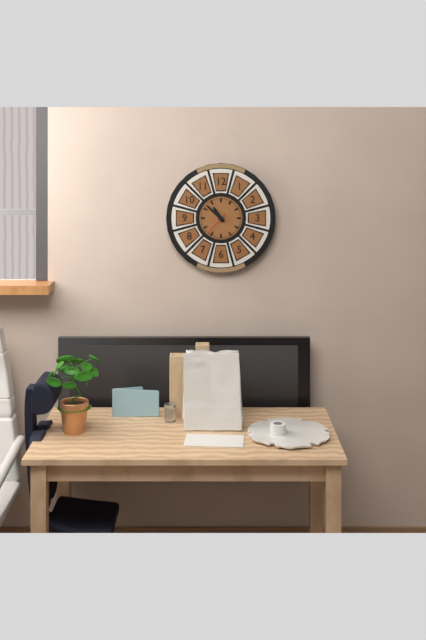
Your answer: **10:52**
